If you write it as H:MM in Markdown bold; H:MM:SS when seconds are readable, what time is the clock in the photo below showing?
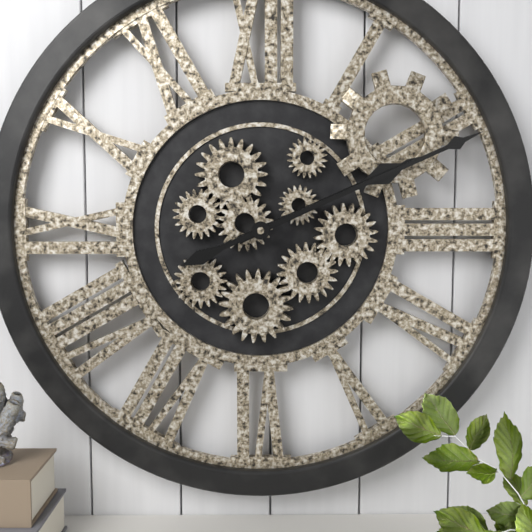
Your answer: **2:11**
